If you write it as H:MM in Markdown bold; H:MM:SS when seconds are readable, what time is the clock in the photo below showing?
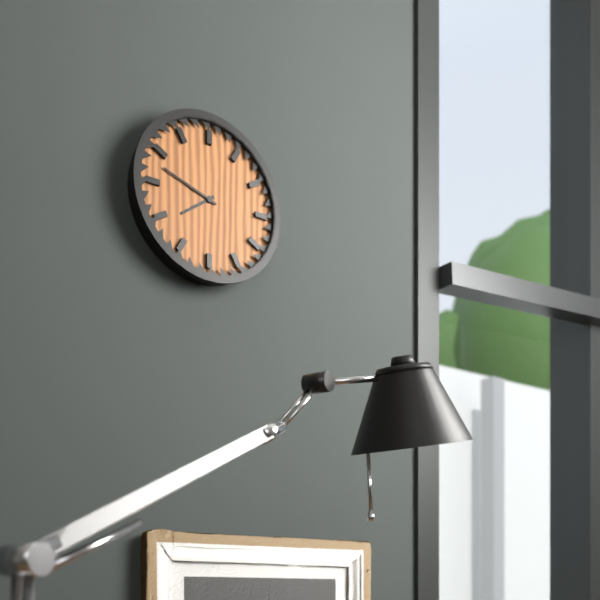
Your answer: **7:48**
